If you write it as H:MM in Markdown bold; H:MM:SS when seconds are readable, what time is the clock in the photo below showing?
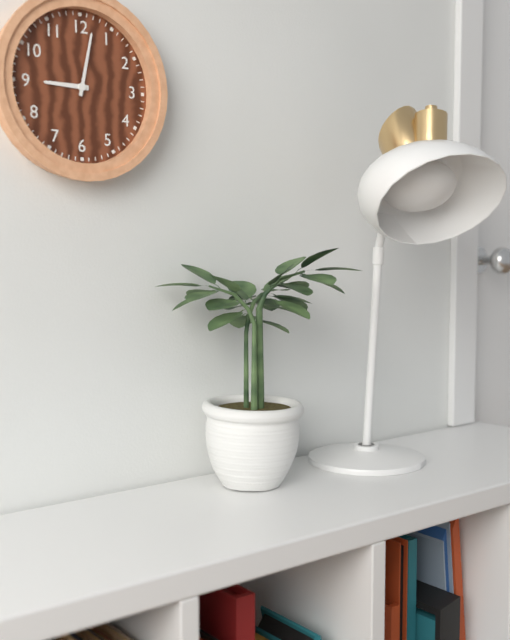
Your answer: **9:02**
